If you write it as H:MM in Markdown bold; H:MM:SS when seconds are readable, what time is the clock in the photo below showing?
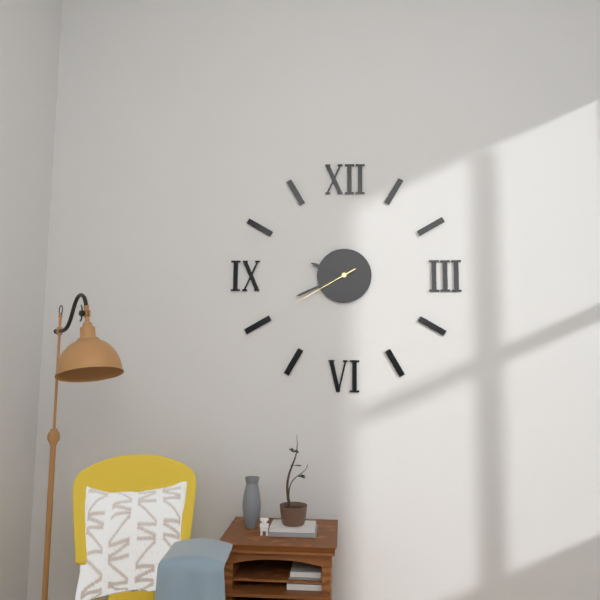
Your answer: **9:41:40**
